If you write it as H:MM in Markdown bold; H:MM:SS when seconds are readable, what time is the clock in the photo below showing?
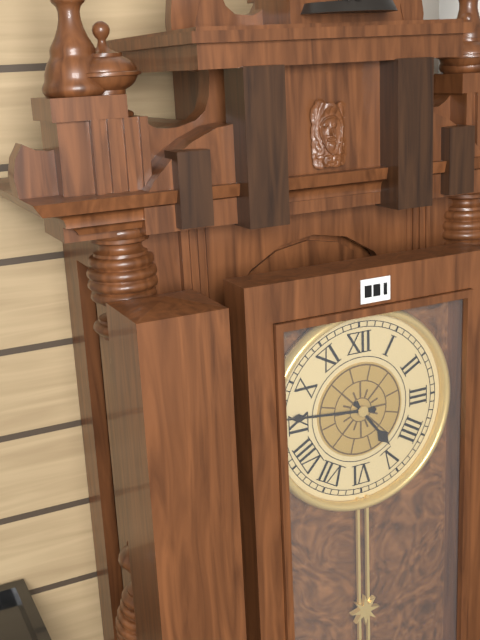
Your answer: **4:46**
